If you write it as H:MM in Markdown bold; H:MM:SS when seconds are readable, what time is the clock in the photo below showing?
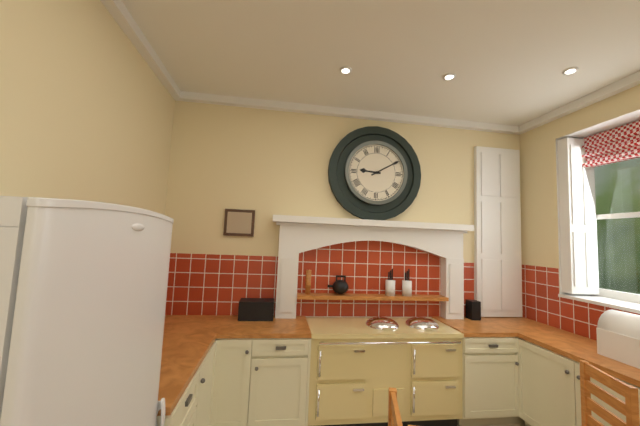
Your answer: **9:10**
